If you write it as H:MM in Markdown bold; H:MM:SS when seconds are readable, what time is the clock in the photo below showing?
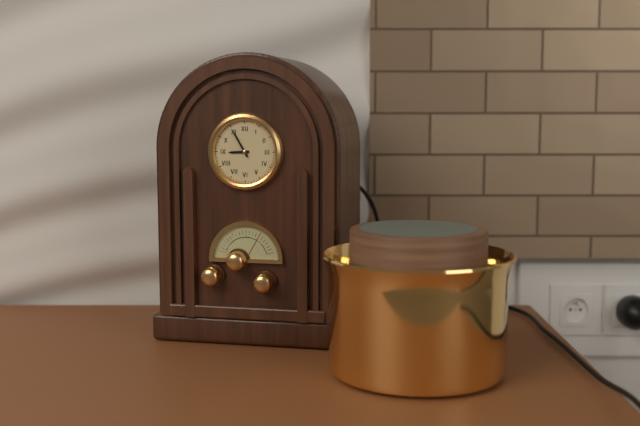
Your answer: **8:55**
